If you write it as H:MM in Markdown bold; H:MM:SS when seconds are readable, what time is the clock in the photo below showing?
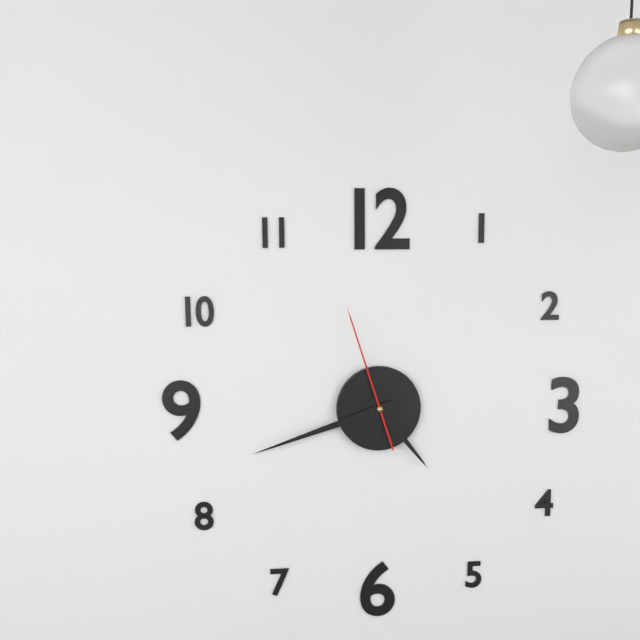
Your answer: **4:42:57**
